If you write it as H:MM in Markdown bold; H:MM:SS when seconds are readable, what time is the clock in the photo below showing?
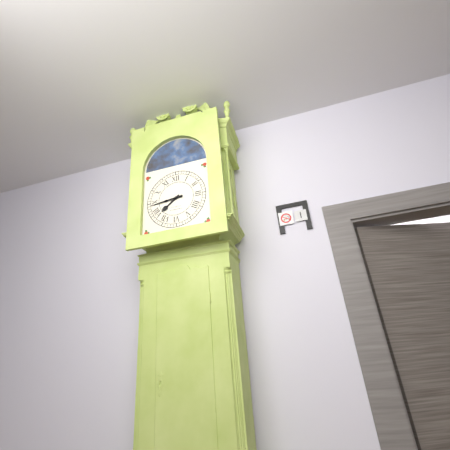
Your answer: **7:44**
